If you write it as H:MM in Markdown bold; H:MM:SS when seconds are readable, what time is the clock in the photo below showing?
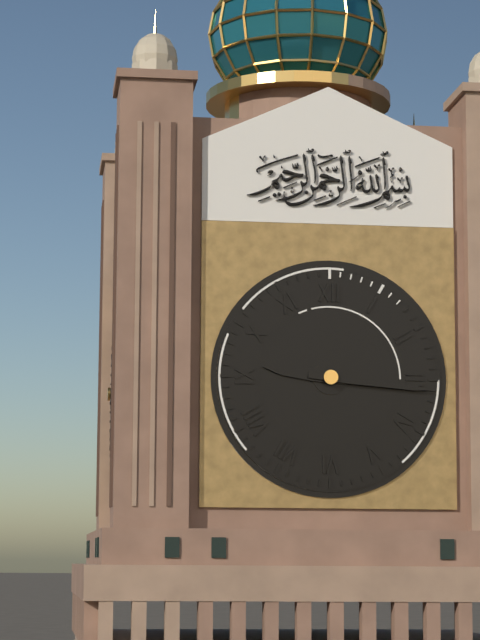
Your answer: **9:16**
